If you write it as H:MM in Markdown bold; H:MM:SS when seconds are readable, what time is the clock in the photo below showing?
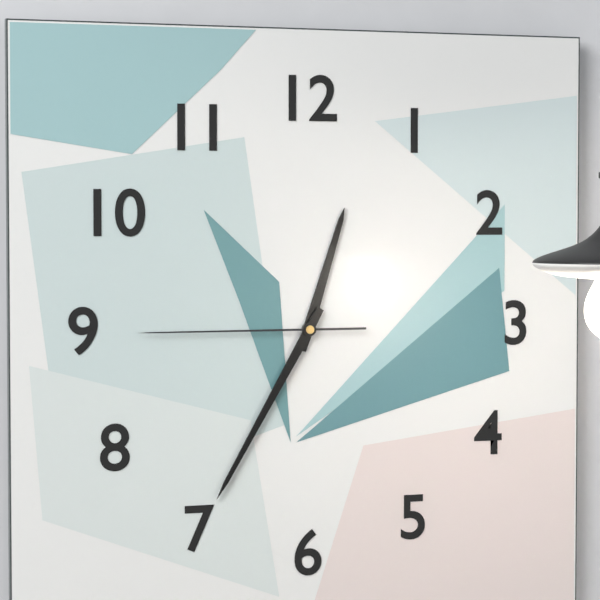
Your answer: **12:35:45**
